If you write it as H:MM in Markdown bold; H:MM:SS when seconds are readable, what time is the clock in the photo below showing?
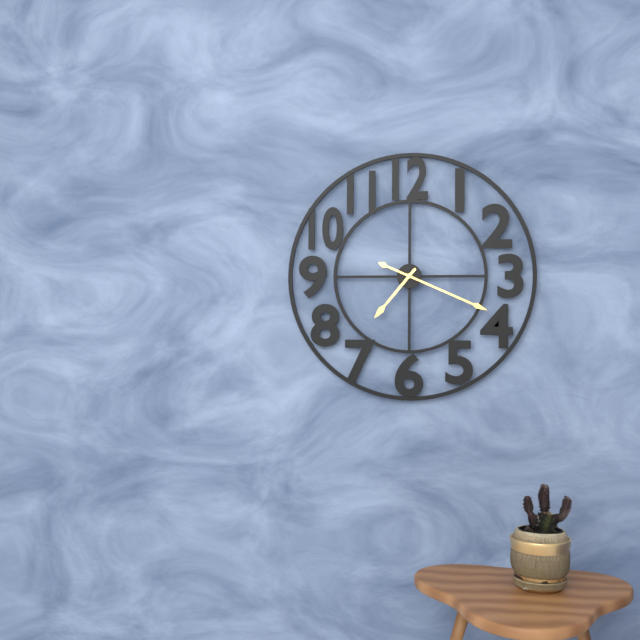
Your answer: **7:19**
